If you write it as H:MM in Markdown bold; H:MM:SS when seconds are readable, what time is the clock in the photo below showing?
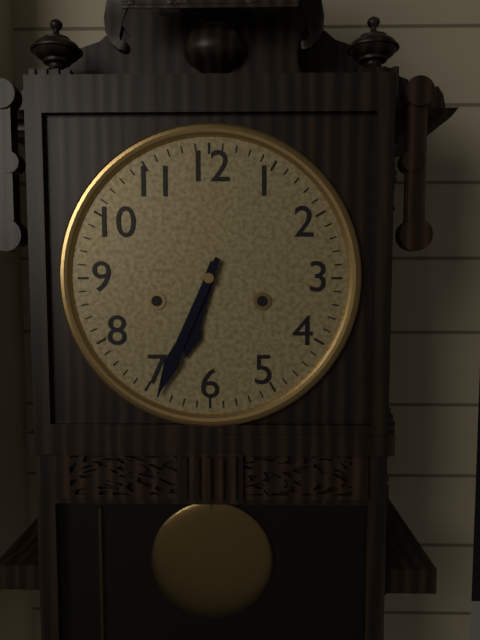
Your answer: **6:34**
